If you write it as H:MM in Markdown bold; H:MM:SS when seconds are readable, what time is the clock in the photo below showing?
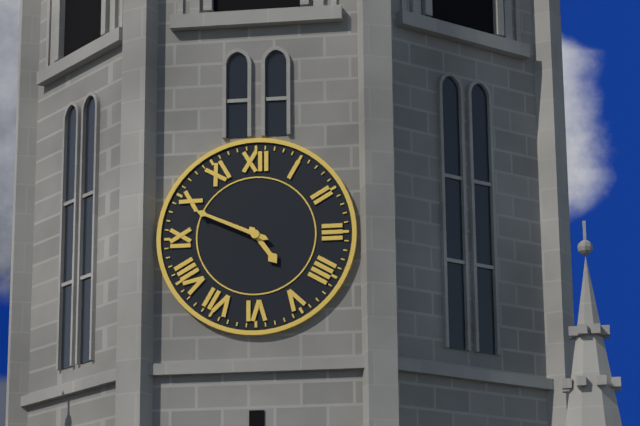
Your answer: **4:49**
